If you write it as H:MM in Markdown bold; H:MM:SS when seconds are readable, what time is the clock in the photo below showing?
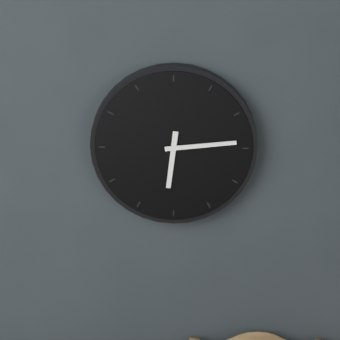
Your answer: **6:14**
